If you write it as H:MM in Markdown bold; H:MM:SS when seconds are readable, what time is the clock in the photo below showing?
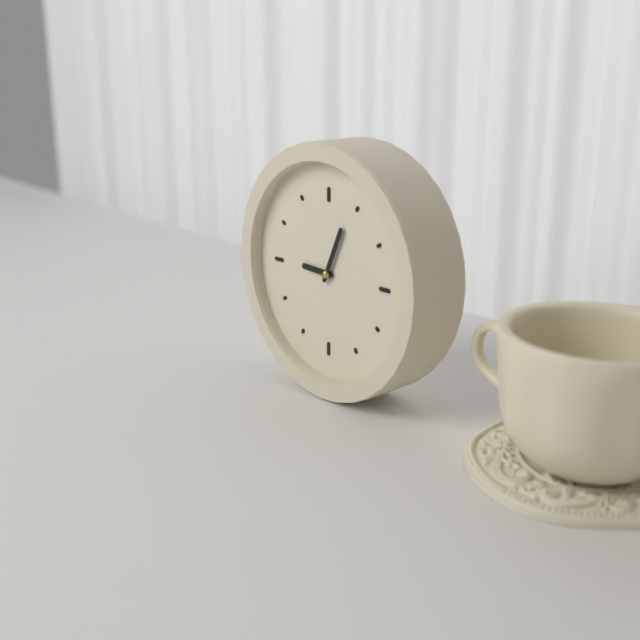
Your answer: **9:04**
